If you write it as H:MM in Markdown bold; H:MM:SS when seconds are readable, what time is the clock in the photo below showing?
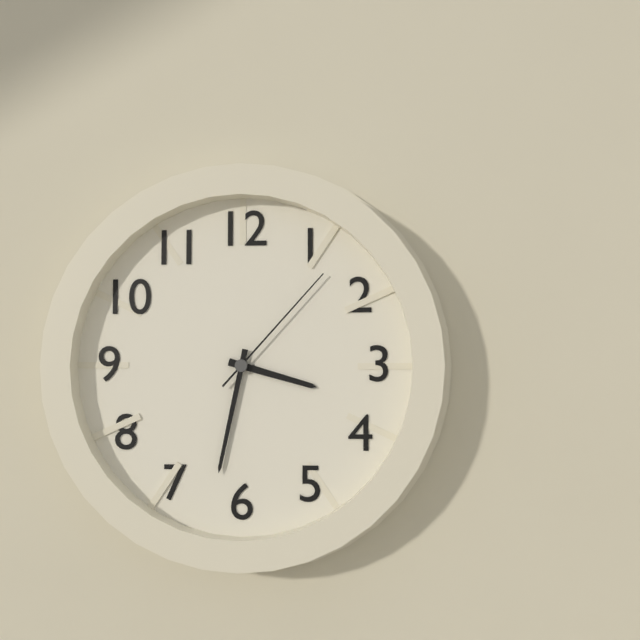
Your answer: **3:32:07**
